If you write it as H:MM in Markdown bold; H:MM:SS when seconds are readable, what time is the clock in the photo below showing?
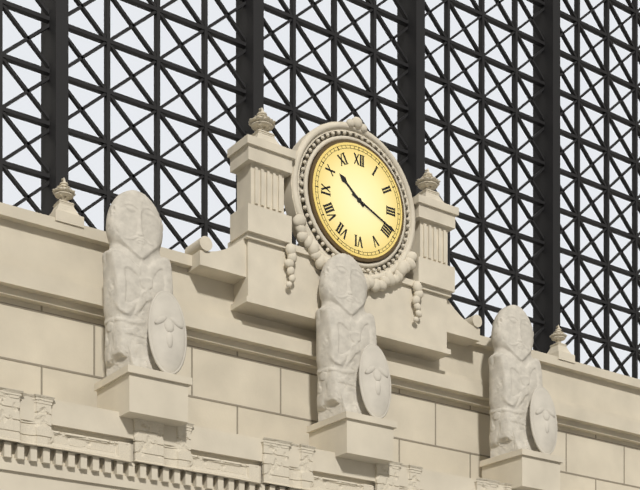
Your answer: **10:19**
